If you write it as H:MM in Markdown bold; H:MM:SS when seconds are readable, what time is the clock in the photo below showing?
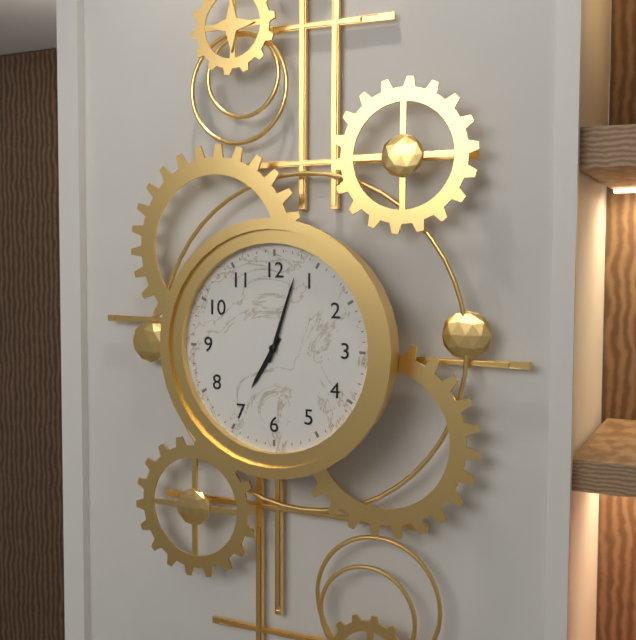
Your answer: **7:03**
